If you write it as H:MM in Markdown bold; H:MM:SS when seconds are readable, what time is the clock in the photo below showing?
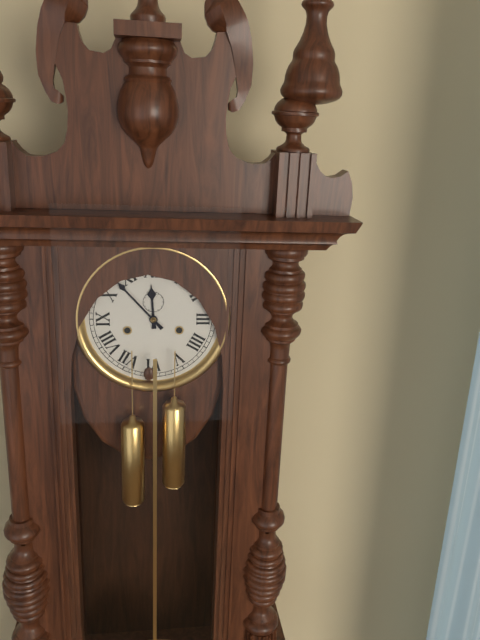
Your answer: **11:53**
